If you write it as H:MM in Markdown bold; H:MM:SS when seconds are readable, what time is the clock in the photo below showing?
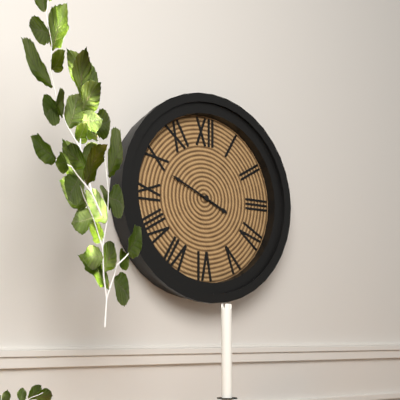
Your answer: **3:49**
